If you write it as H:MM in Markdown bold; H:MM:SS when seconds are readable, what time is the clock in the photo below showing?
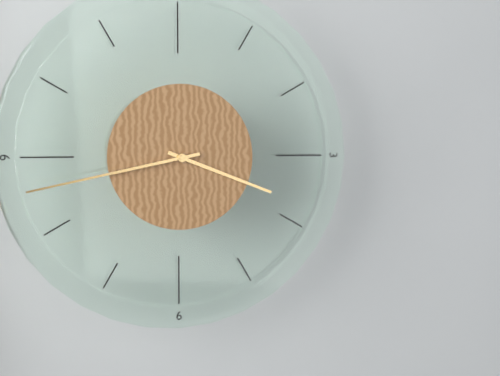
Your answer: **3:43**
